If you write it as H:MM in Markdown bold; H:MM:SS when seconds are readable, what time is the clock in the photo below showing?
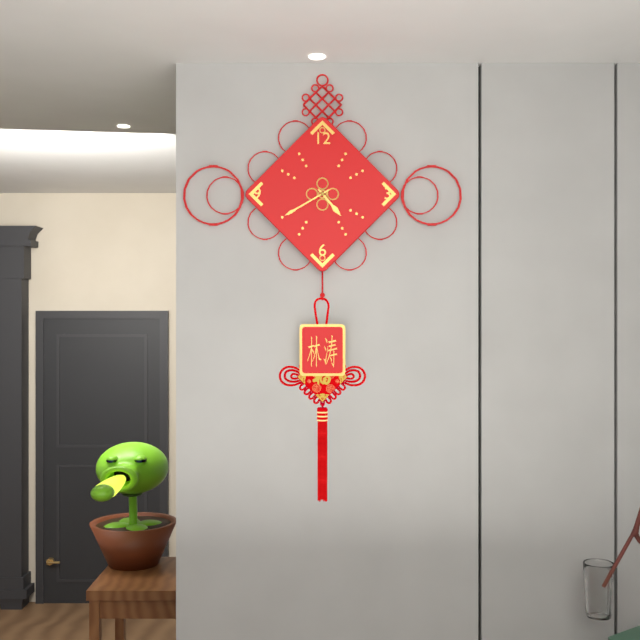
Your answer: **4:40**
